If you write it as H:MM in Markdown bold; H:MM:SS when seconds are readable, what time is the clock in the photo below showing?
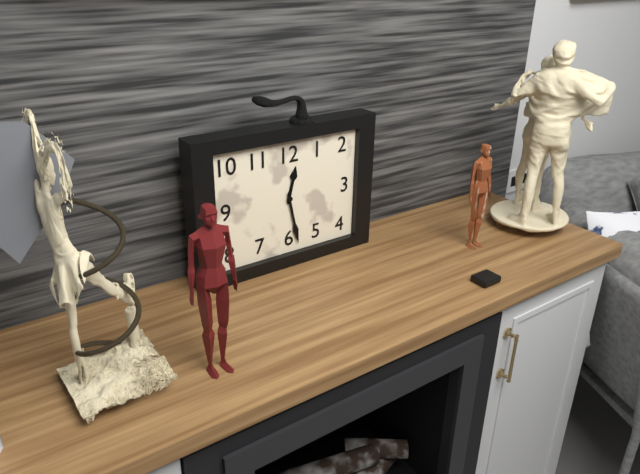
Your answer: **12:28**
